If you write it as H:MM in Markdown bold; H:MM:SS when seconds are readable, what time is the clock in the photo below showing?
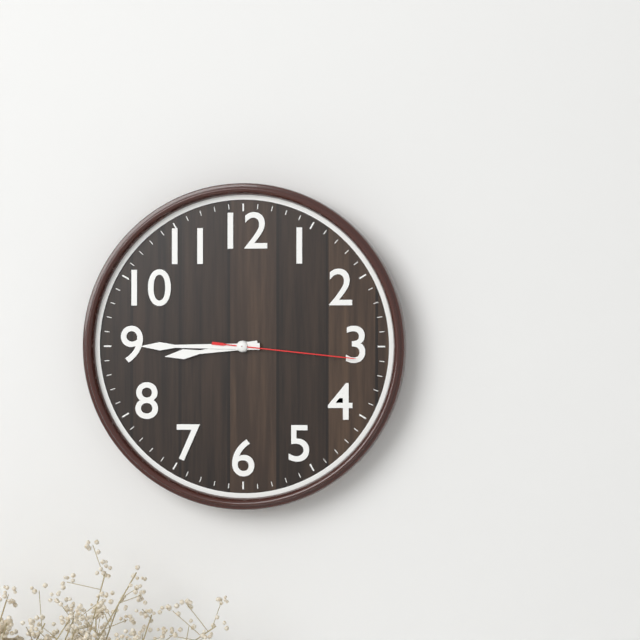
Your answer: **8:45:16**
